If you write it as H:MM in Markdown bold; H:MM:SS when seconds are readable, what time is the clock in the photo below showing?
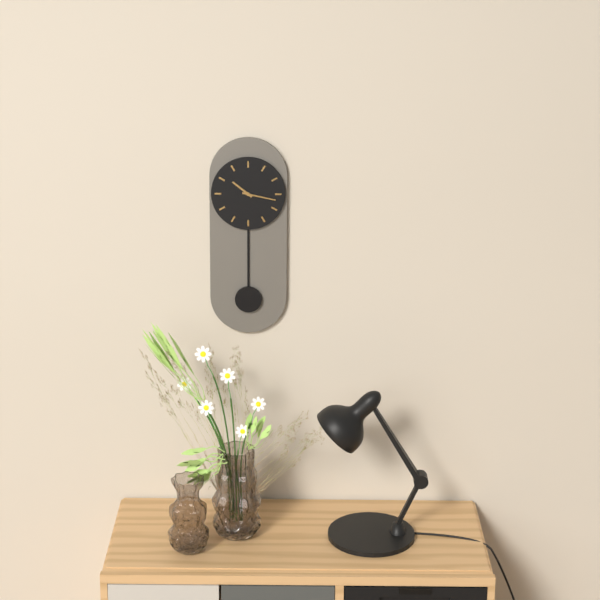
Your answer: **10:17**
